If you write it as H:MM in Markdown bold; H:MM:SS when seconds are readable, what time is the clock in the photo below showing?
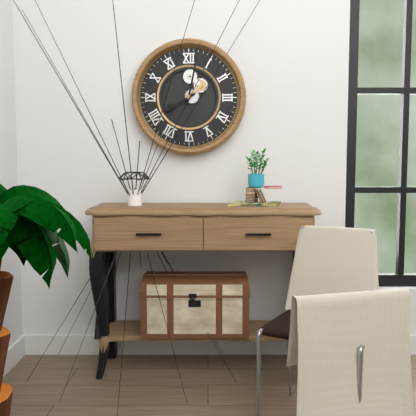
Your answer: **8:02**
